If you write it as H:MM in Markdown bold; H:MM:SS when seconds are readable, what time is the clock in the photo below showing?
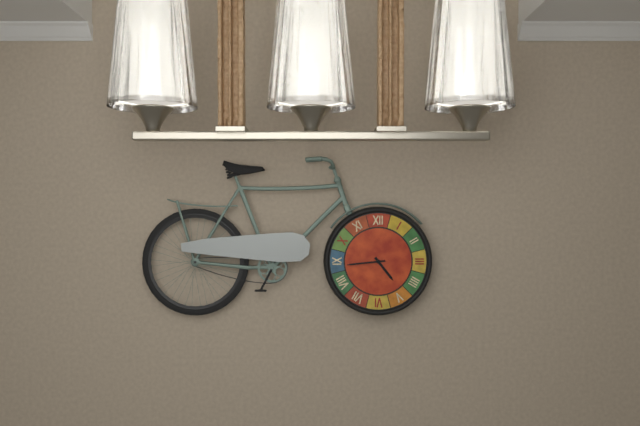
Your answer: **4:44**
